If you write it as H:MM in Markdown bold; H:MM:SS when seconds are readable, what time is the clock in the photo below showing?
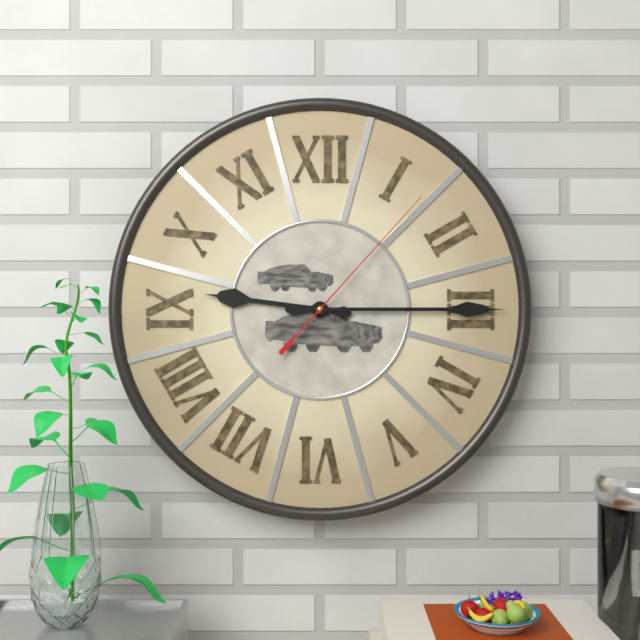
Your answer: **9:15:07**
